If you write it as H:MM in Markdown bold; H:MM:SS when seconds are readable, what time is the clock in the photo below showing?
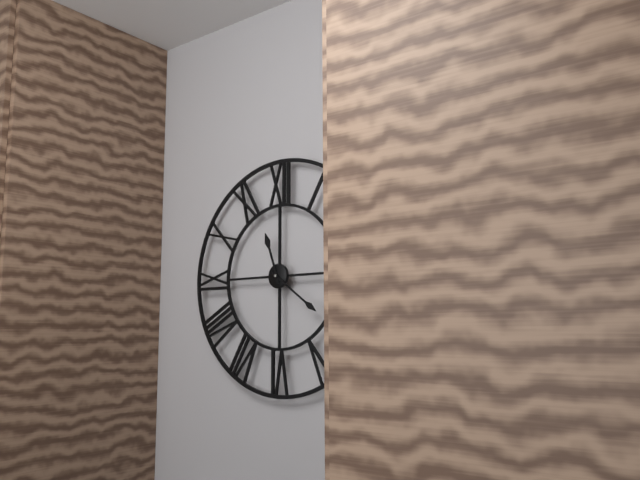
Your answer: **11:21**
